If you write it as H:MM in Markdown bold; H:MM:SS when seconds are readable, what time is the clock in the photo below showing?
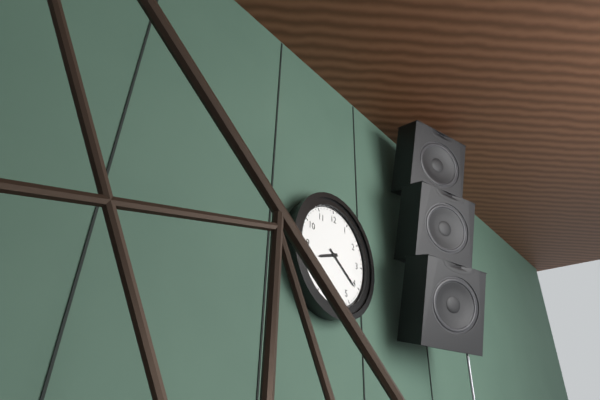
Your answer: **8:21**
